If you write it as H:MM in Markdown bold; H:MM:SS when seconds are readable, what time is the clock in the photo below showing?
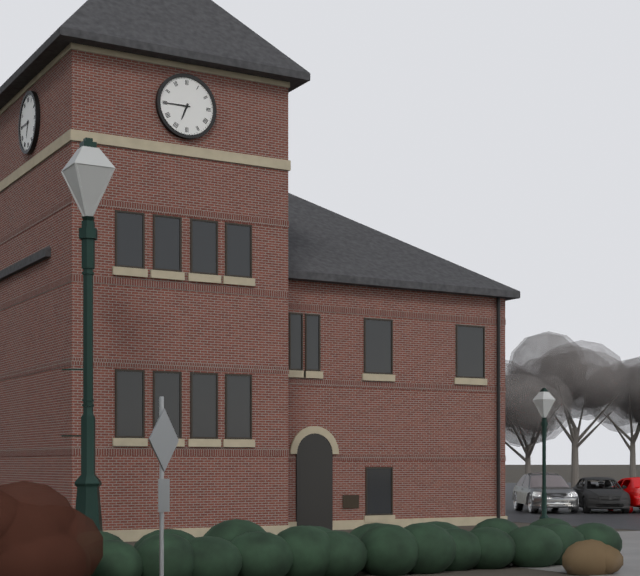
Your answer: **6:45**
